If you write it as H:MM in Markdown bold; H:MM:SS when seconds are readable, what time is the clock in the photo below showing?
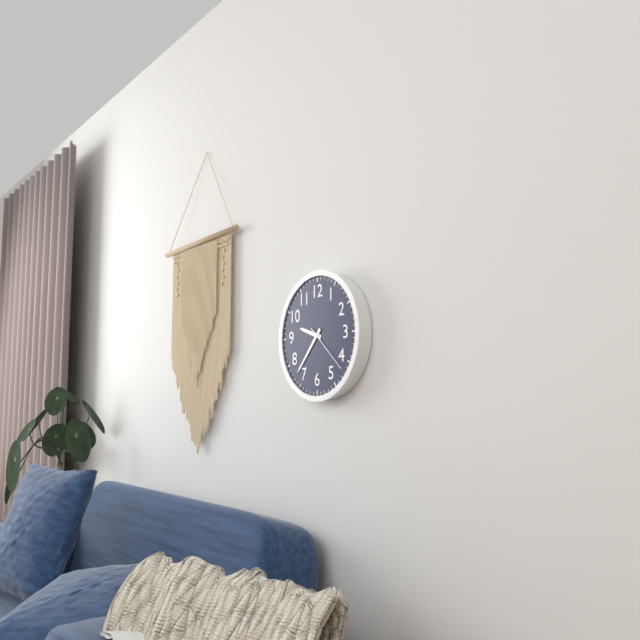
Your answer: **9:37:22**
